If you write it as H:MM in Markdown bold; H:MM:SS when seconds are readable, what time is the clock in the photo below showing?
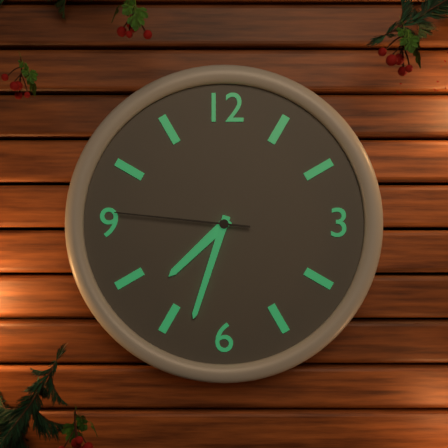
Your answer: **7:33:46**
